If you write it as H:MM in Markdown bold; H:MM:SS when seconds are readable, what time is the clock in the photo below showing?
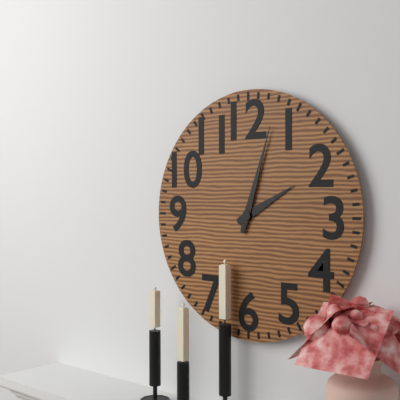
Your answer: **2:03**
